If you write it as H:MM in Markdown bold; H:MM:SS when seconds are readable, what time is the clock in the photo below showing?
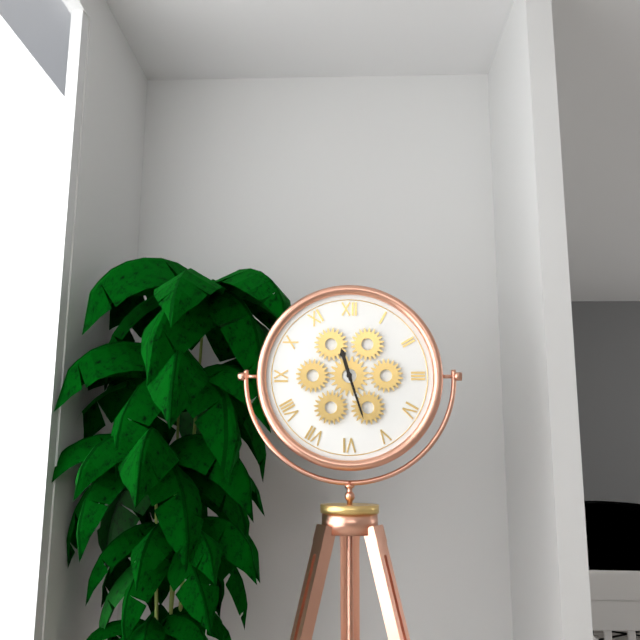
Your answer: **11:27**
